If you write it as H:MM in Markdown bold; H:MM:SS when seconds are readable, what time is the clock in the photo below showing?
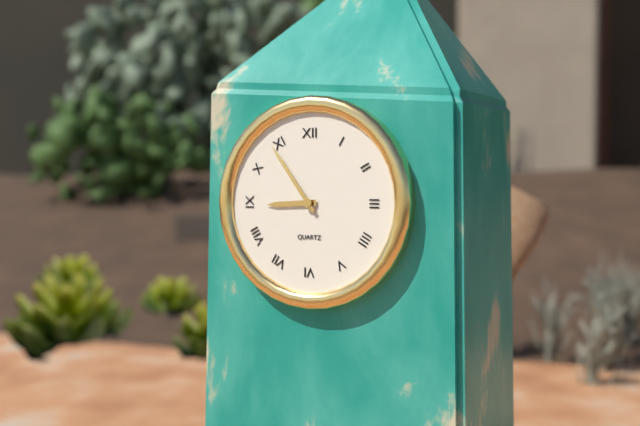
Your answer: **8:54**
